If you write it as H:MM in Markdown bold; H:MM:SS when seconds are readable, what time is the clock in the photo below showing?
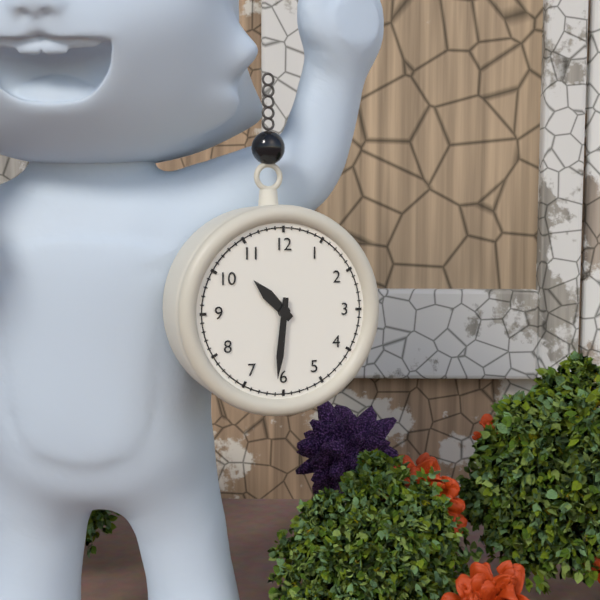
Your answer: **10:31**
